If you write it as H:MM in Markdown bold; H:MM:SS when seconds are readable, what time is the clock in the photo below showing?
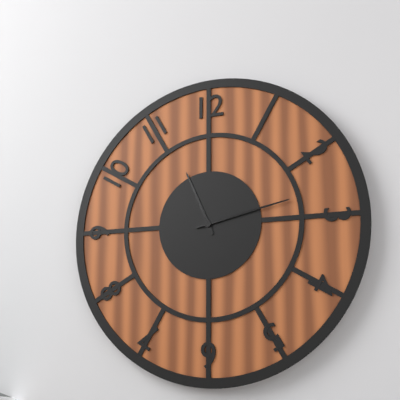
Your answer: **11:13**
